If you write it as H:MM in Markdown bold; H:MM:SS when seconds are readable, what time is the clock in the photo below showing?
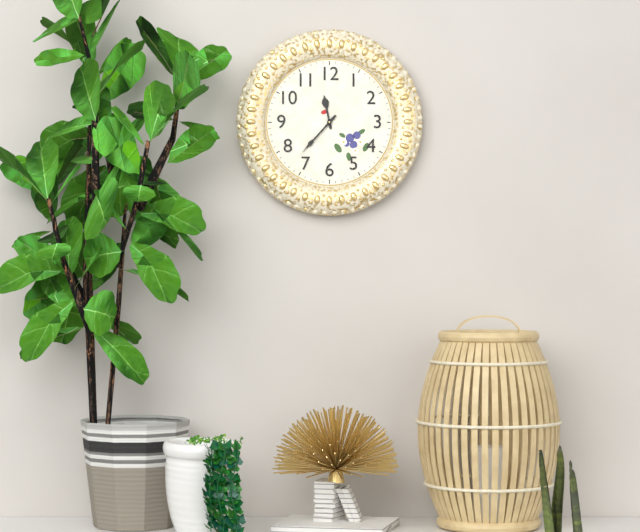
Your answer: **11:37**
